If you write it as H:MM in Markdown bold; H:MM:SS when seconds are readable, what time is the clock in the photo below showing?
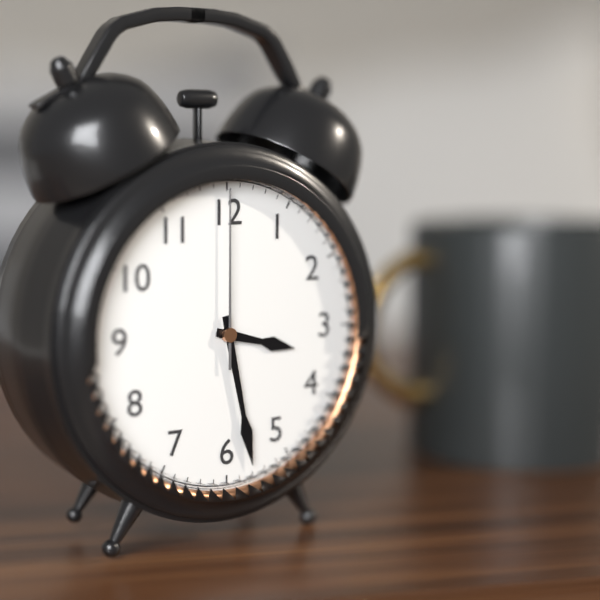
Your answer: **3:28:00**
